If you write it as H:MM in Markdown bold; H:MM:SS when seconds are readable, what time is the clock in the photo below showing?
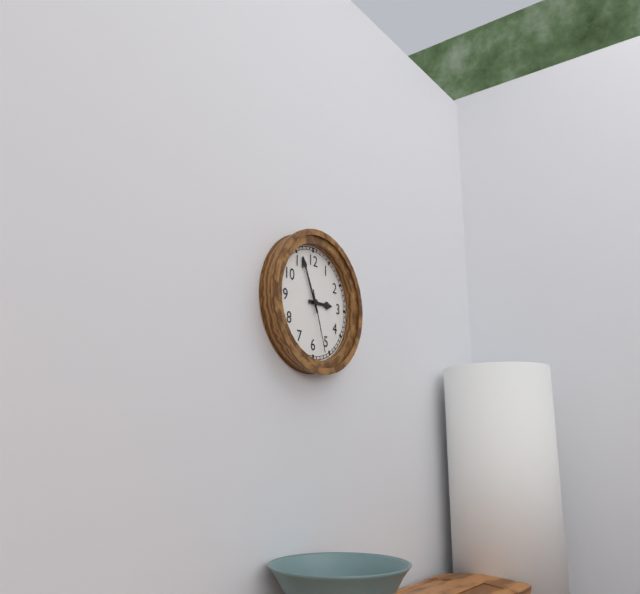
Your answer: **2:56:27**
